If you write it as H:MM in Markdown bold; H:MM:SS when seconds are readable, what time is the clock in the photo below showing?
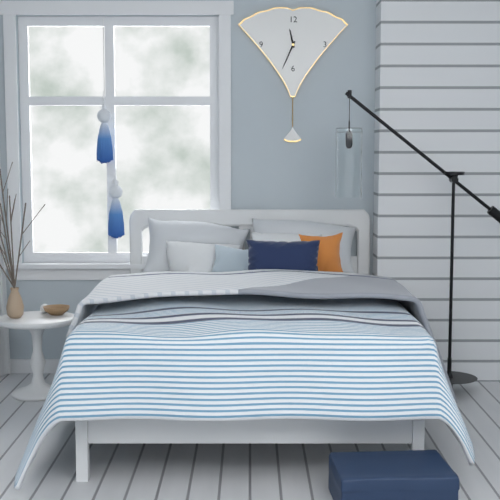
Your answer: **11:34**
